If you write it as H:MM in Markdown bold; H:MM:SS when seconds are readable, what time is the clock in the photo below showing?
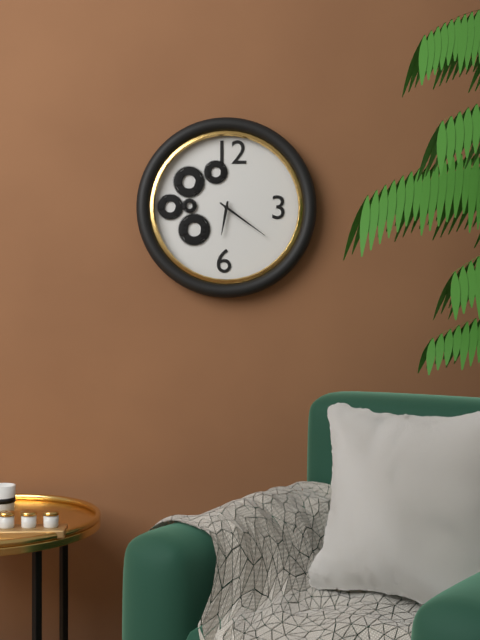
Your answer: **6:21**
